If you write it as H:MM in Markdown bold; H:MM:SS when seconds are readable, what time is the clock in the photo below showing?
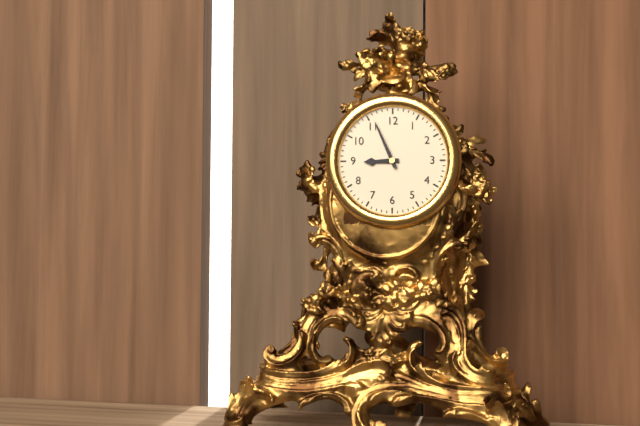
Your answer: **8:56**
